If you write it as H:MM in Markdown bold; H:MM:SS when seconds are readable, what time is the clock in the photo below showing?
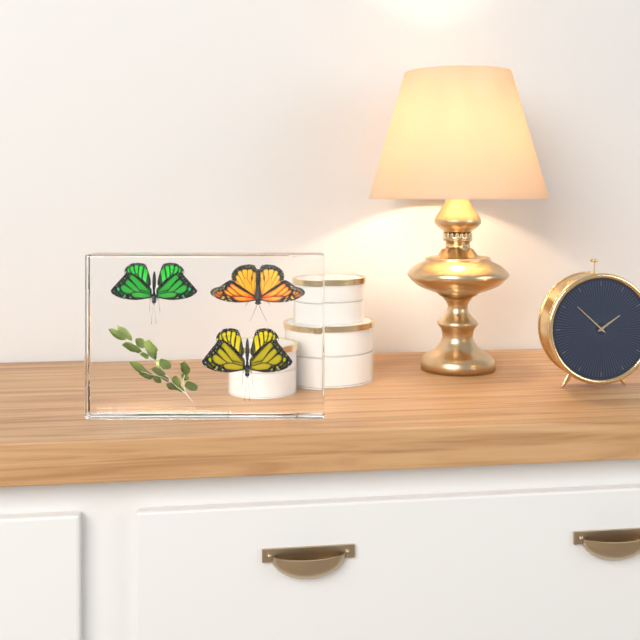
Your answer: **1:52**
